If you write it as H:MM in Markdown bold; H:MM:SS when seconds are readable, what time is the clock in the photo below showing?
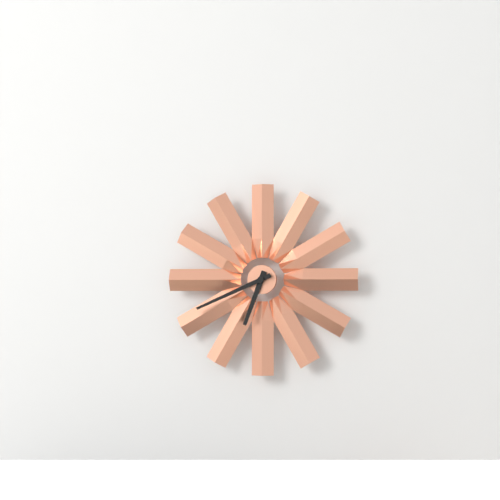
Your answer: **6:41**
